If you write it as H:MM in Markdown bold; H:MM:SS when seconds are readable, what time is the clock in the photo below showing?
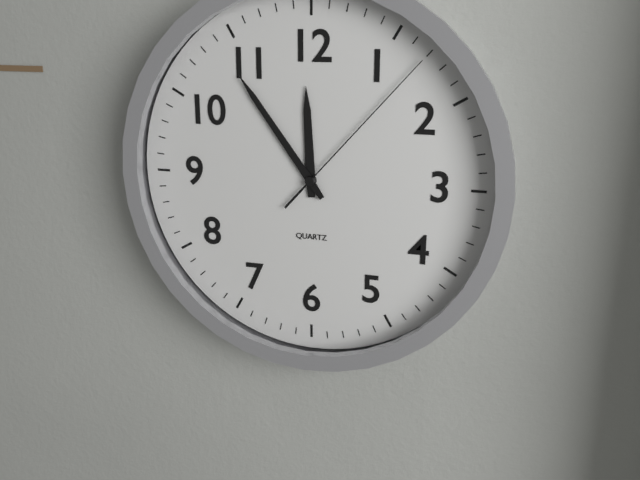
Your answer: **11:54:07**
